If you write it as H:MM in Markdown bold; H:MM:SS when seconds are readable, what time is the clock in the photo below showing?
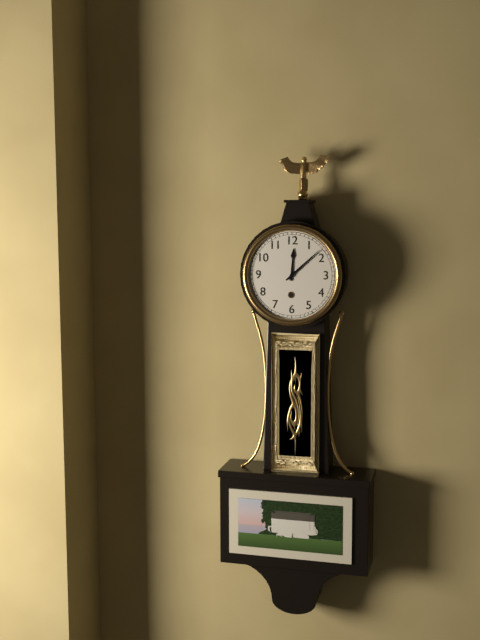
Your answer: **12:08**
